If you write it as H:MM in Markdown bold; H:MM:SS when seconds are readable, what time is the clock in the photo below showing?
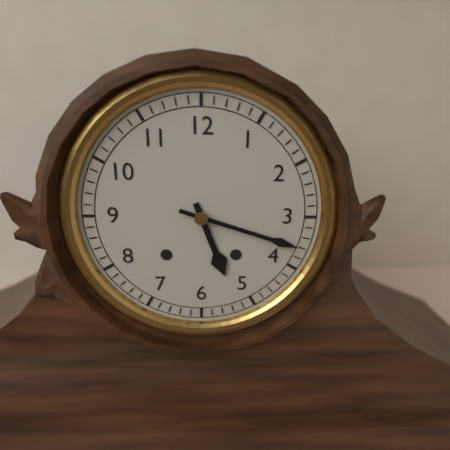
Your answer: **5:18**
